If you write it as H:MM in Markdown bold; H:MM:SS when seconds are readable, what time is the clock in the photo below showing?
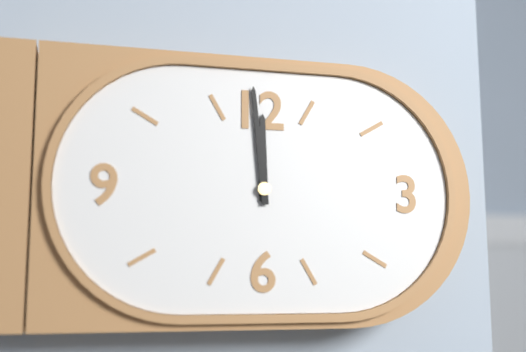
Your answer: **11:59**
